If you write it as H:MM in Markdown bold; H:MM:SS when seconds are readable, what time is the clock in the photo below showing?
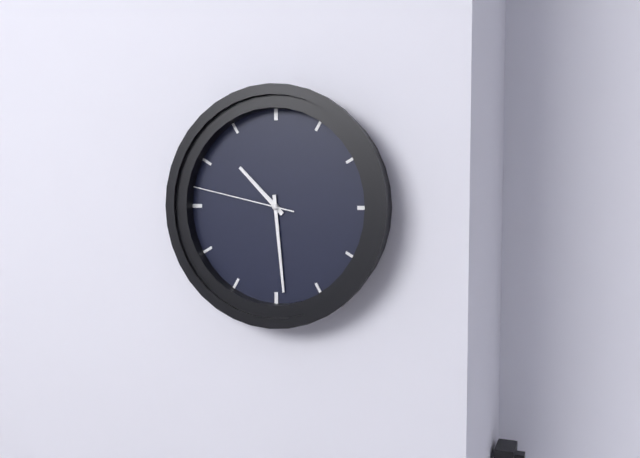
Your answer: **10:29:47**
